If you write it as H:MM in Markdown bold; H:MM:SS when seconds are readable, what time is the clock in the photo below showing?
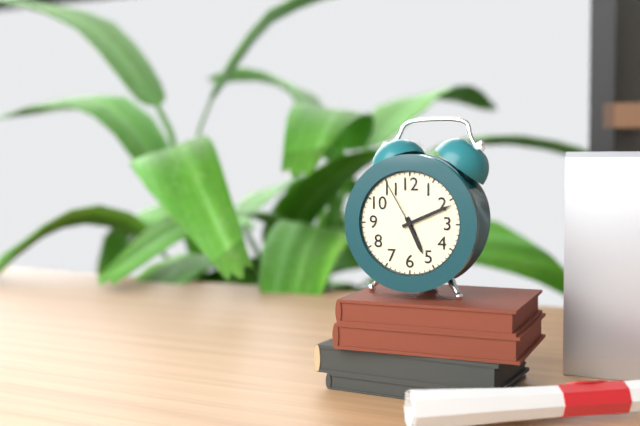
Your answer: **5:11:55**
